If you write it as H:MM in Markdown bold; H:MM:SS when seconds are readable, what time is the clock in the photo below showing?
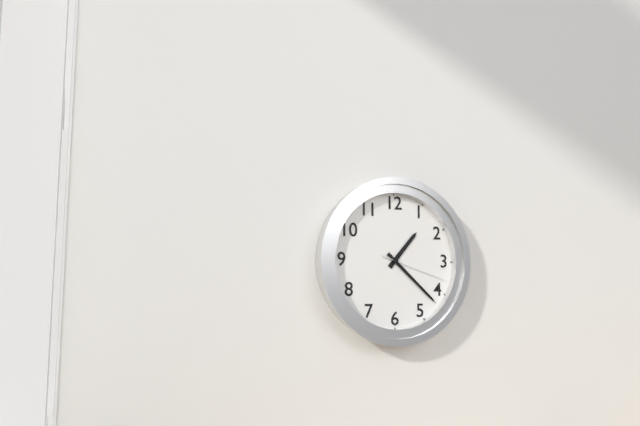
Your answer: **1:22:18**
